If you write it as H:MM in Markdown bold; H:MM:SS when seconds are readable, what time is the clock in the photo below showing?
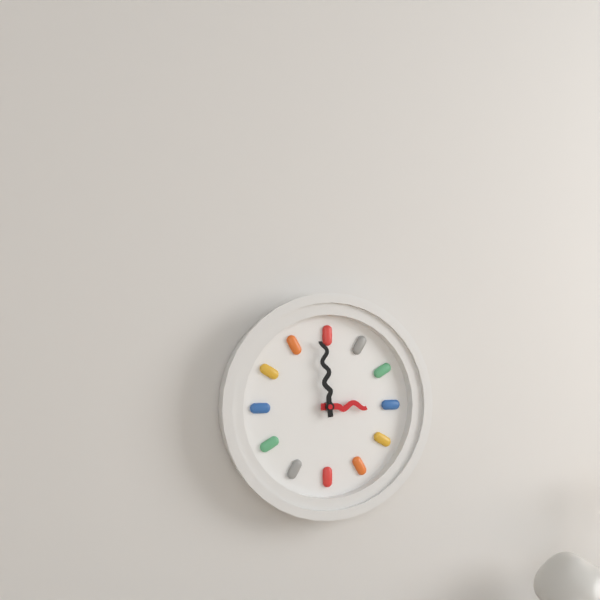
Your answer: **2:59**
